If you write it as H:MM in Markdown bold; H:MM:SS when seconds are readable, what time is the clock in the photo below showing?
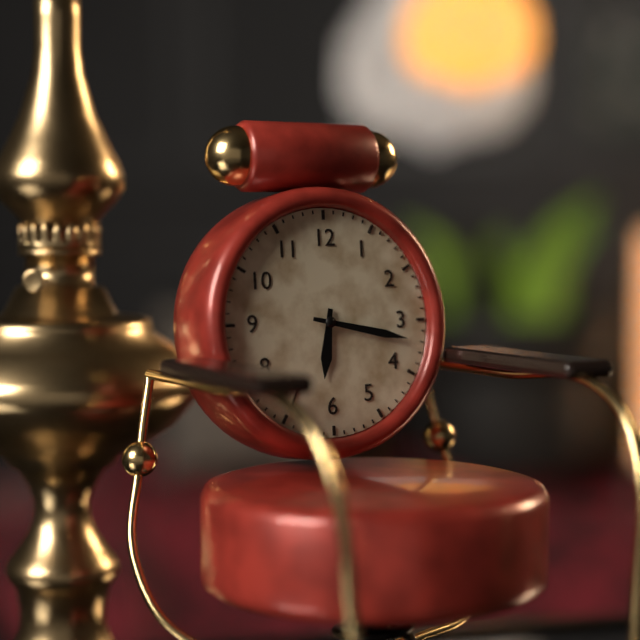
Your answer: **6:17**
